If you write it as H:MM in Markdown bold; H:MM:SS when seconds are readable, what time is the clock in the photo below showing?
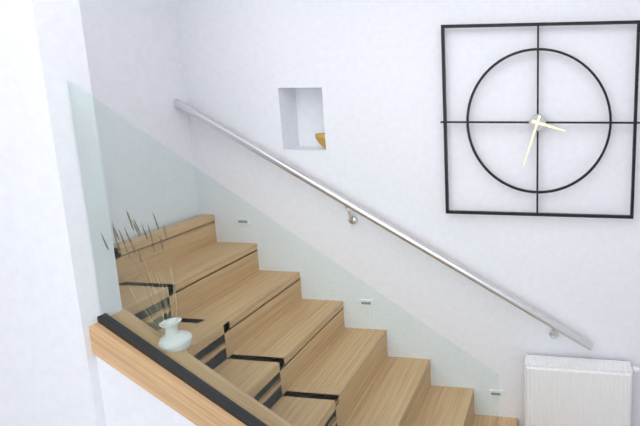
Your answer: **3:33**
